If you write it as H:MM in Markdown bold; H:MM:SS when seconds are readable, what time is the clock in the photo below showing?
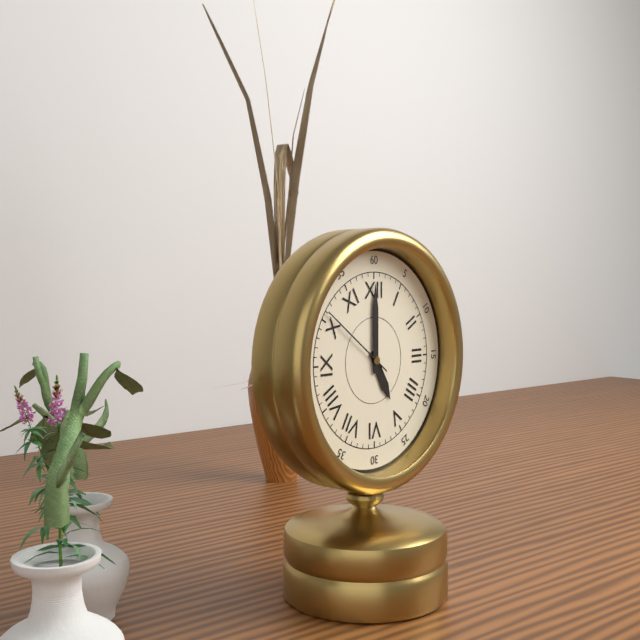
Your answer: **5:00:51**
